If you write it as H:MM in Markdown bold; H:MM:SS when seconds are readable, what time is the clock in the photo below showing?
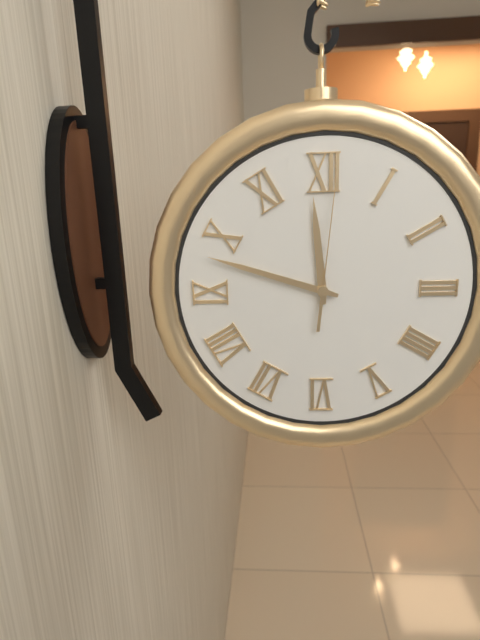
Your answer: **11:48:01**
